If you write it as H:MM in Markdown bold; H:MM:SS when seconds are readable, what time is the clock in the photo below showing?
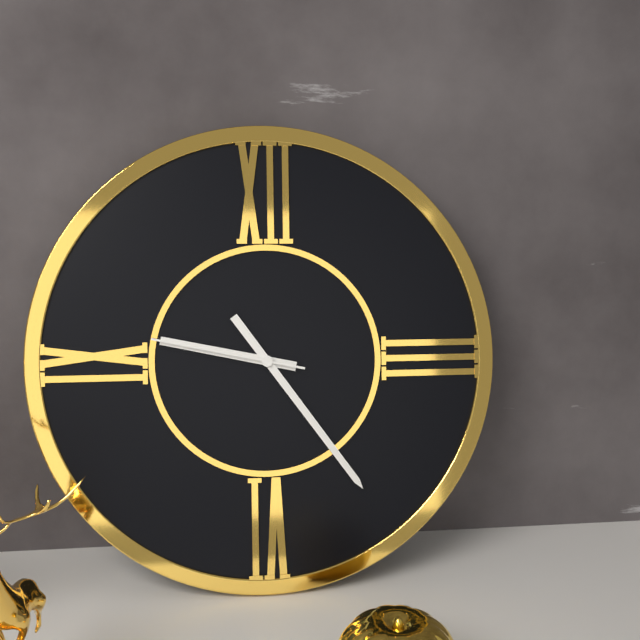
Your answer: **9:24:47**
